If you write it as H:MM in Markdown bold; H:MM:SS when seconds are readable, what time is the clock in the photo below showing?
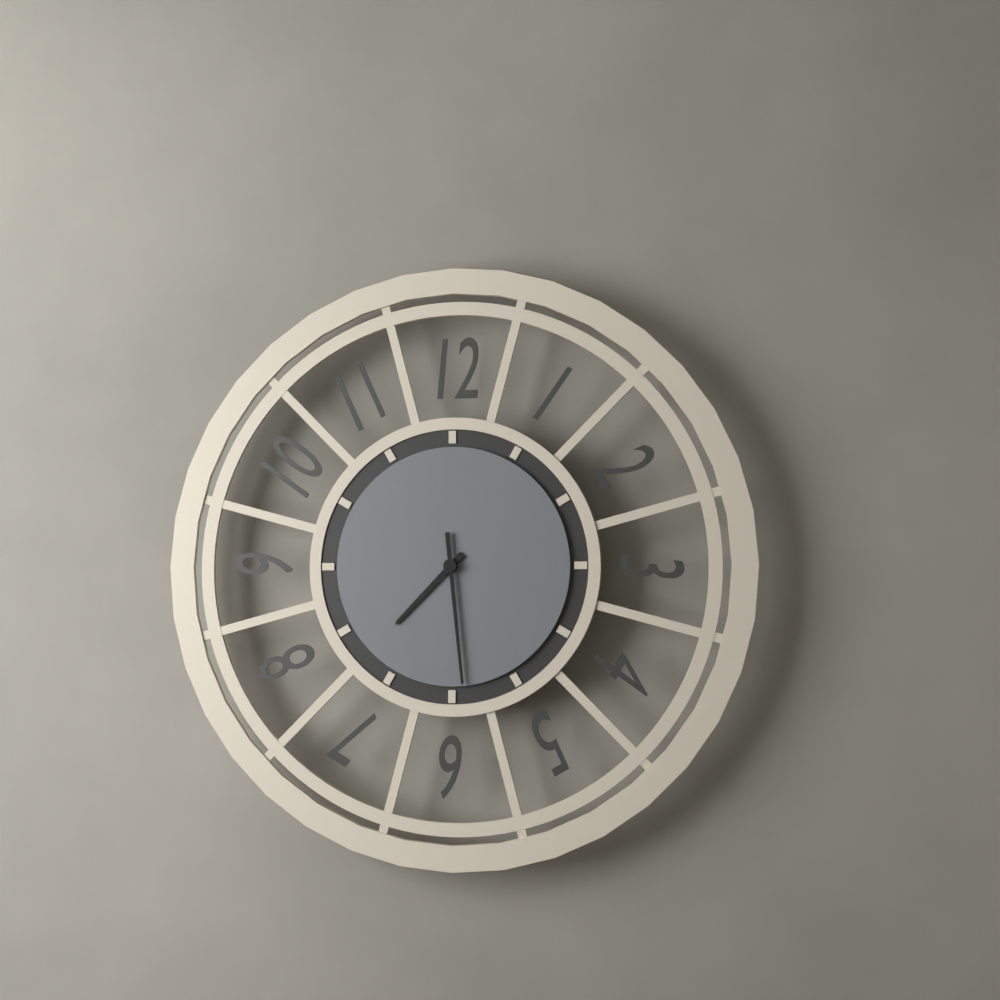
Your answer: **7:29**
